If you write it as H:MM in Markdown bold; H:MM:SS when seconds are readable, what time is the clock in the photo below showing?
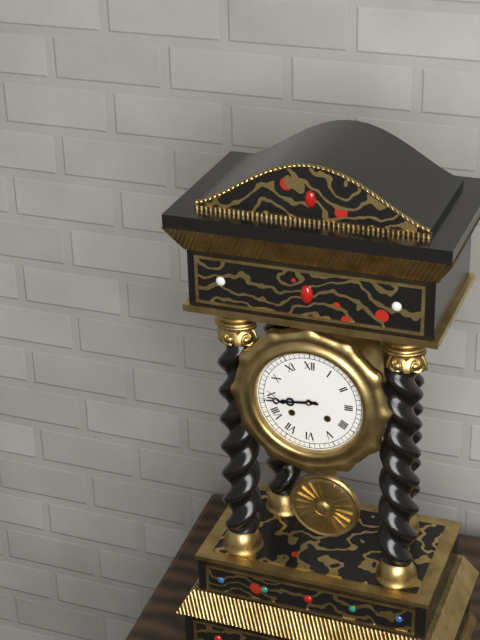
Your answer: **8:44**
